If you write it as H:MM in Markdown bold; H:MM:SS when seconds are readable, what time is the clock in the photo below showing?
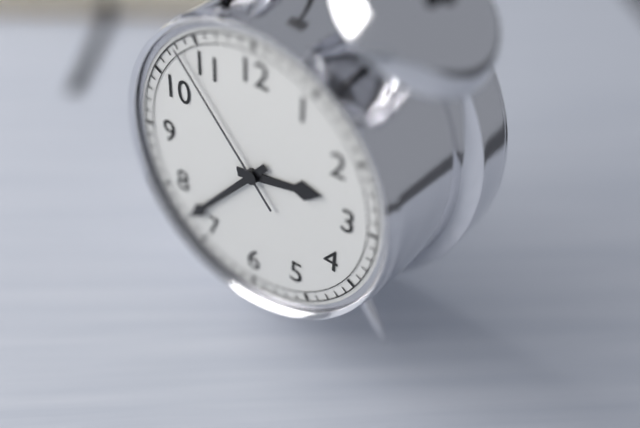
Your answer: **2:37:53**
